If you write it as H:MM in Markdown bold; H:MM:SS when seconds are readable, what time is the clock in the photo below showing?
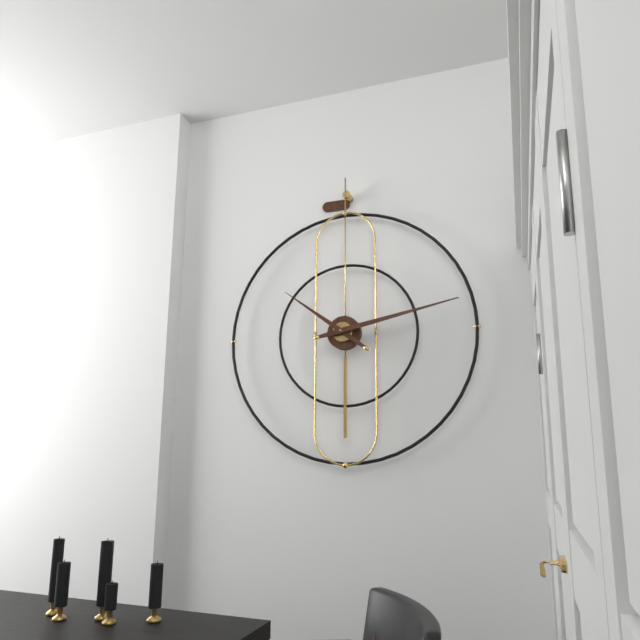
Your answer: **10:13**
